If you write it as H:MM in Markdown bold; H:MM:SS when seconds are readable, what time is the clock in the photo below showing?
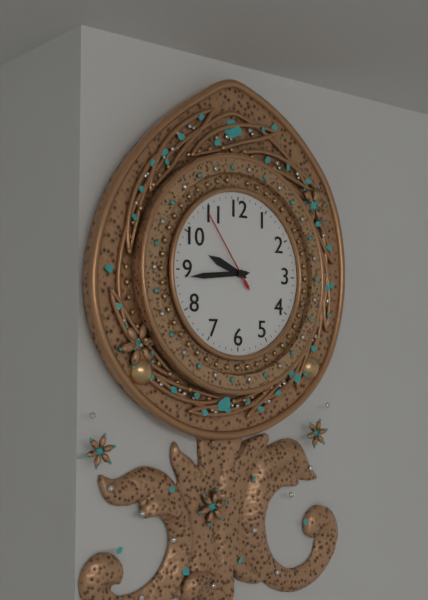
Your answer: **9:44:54**
